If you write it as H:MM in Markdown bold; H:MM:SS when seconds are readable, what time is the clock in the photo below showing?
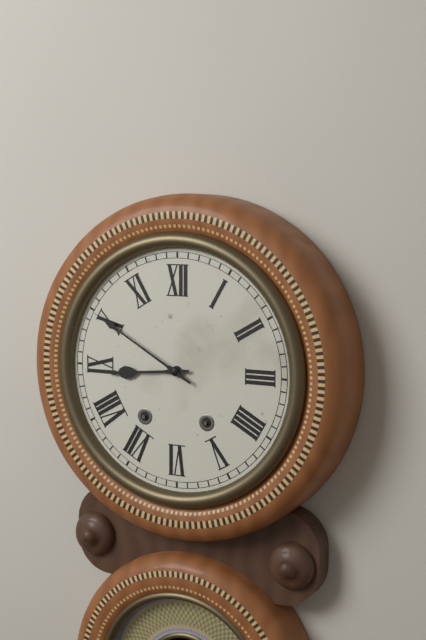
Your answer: **8:50**
